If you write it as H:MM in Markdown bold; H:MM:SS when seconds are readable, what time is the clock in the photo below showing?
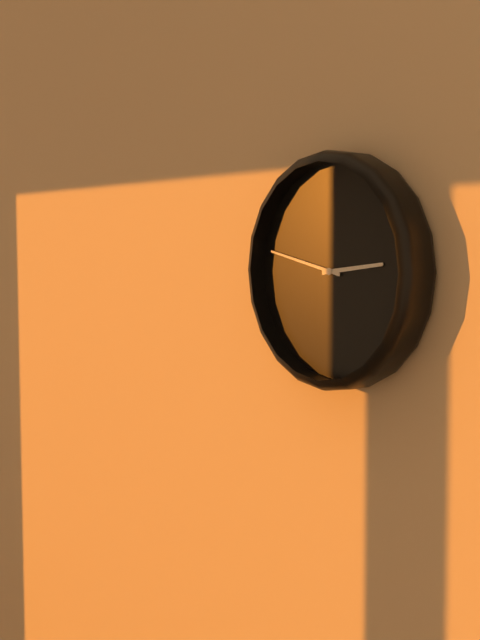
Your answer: **2:47**
